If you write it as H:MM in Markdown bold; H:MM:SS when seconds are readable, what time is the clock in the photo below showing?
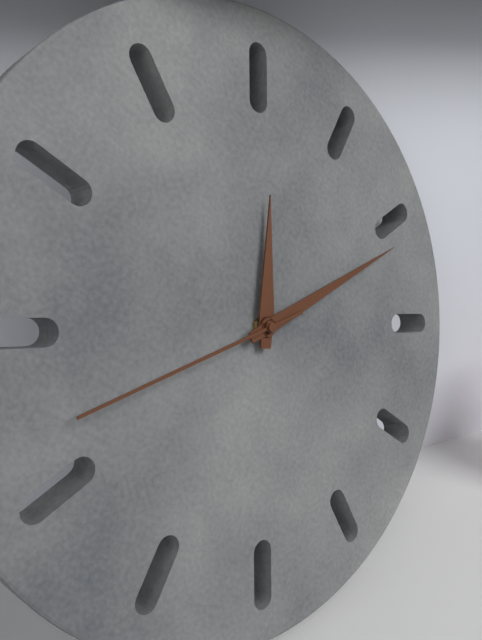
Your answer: **11:06:37**
